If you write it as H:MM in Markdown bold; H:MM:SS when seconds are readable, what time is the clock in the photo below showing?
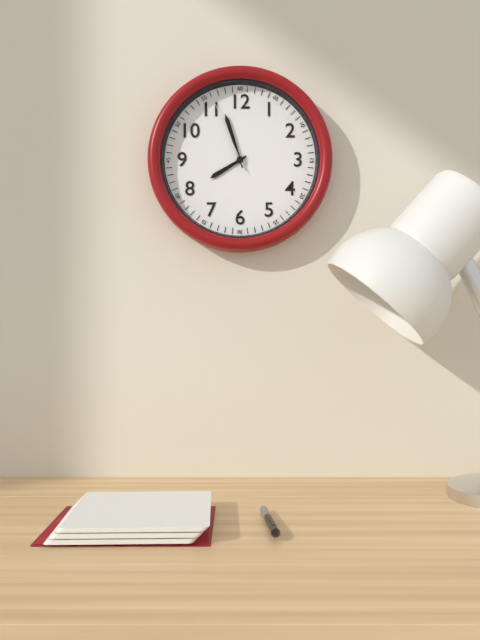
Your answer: **7:57:56**
